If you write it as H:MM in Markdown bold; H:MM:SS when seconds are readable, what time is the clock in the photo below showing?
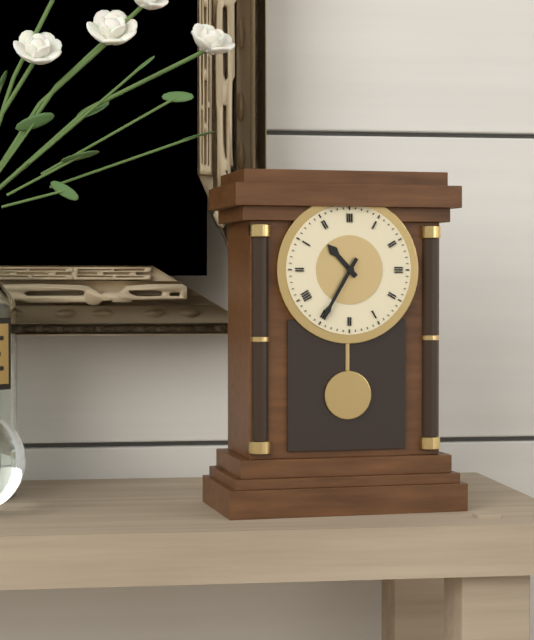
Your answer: **10:35**
